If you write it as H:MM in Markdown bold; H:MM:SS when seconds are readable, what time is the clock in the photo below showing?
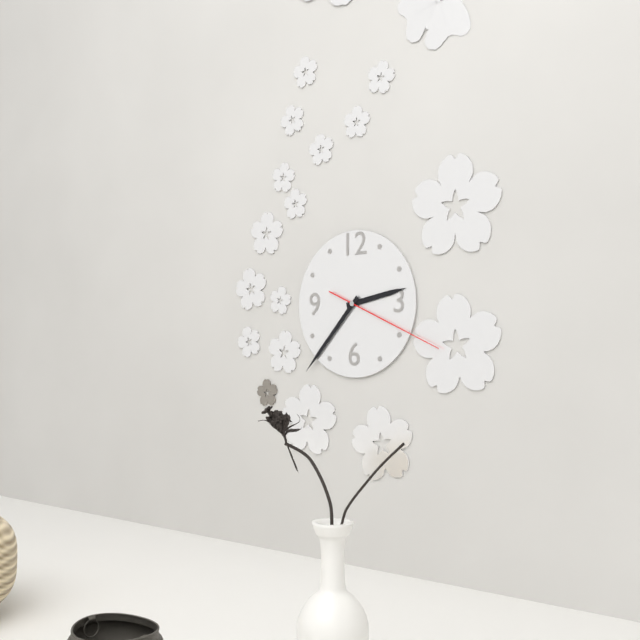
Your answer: **2:37:19**
